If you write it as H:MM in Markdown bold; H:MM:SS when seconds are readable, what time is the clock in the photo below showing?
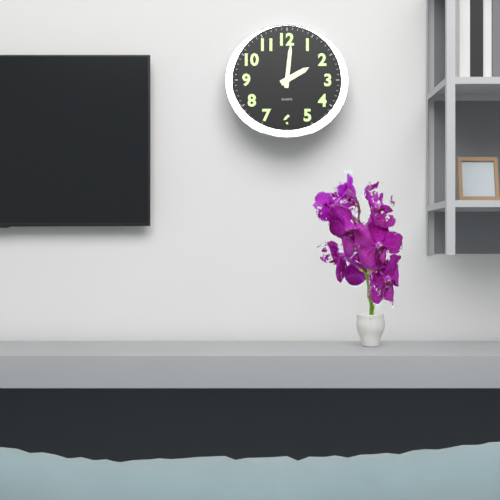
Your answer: **2:01**
